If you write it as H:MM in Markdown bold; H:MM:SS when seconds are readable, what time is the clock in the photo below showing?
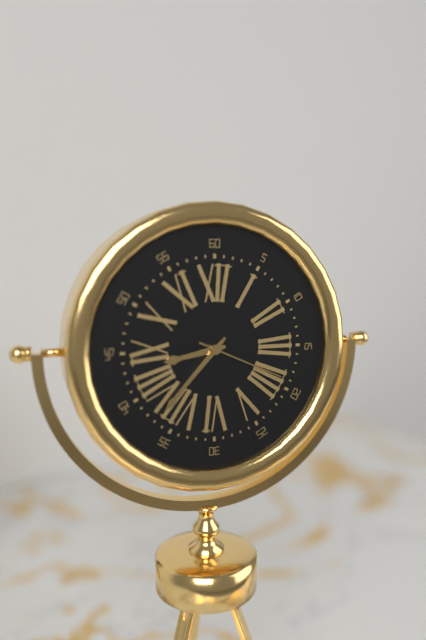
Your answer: **8:37:19**
